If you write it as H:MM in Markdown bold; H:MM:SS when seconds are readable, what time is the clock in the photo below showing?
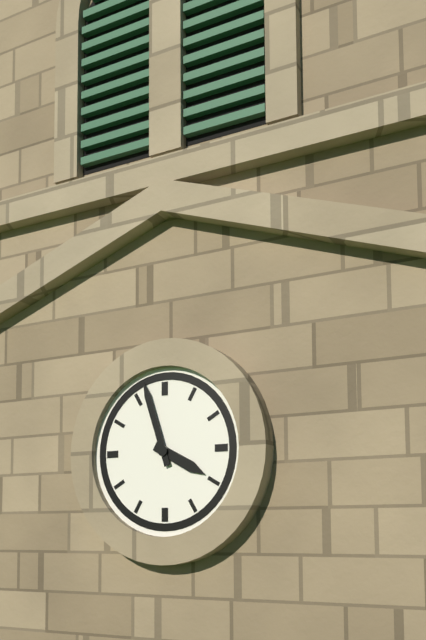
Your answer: **3:57**
